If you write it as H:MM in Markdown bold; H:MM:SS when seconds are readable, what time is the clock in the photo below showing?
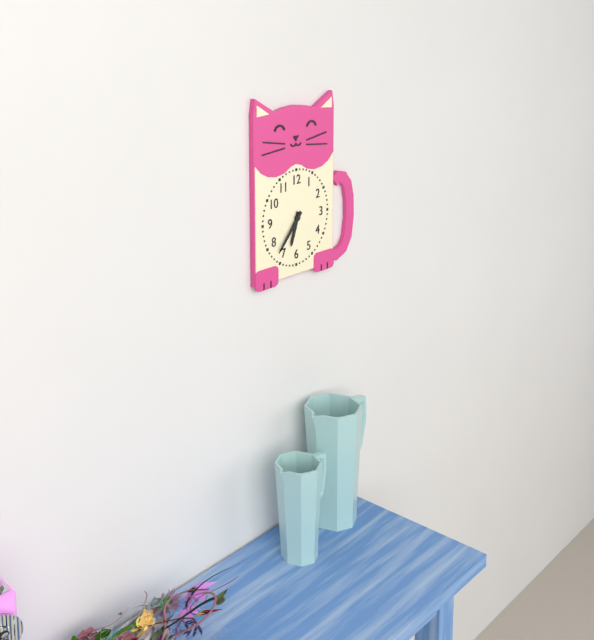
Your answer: **6:37**
